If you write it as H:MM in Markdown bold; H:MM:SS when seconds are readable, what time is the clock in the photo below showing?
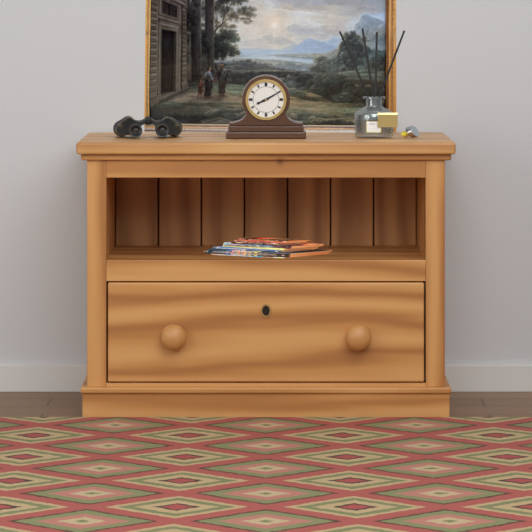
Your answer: **8:10**
